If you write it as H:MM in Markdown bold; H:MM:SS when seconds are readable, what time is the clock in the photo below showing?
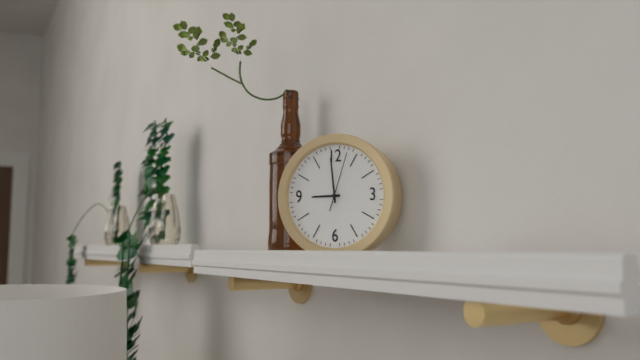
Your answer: **8:59:03**
